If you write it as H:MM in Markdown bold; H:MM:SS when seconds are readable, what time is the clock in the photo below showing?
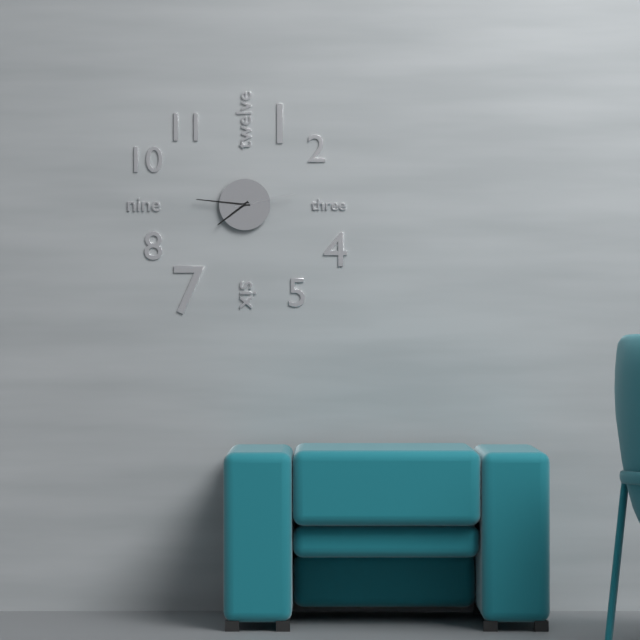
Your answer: **7:46:13**
